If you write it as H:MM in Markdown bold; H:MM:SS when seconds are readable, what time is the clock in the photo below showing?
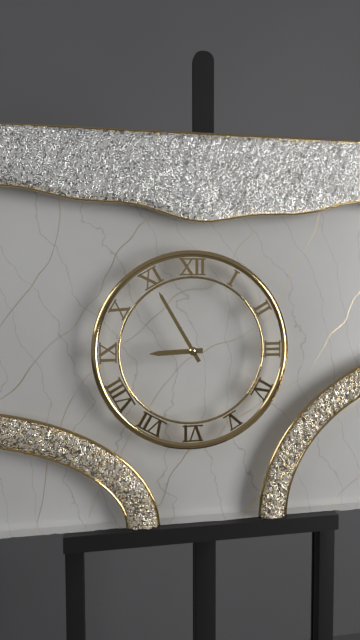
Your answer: **8:55**
